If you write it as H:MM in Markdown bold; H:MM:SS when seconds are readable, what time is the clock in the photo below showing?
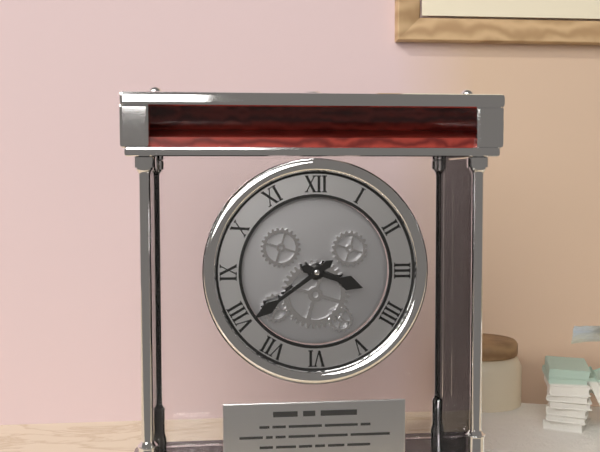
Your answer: **3:39**
